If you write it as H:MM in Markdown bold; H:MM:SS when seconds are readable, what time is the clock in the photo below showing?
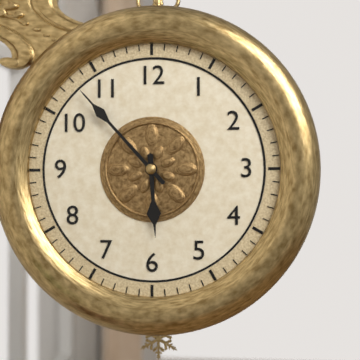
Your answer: **5:53**
